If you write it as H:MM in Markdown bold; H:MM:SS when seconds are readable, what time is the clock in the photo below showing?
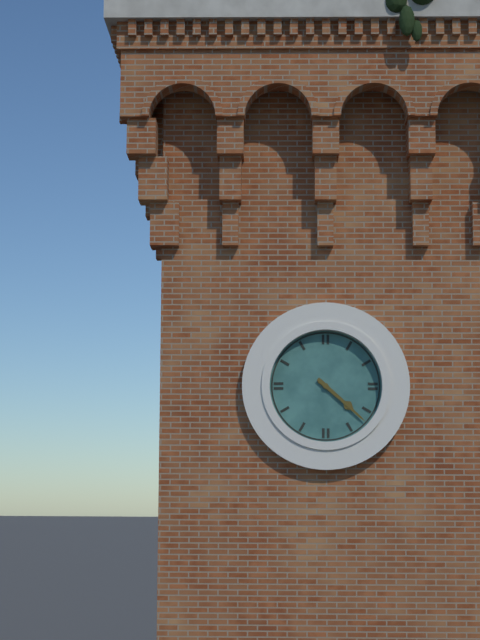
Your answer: **4:22**
